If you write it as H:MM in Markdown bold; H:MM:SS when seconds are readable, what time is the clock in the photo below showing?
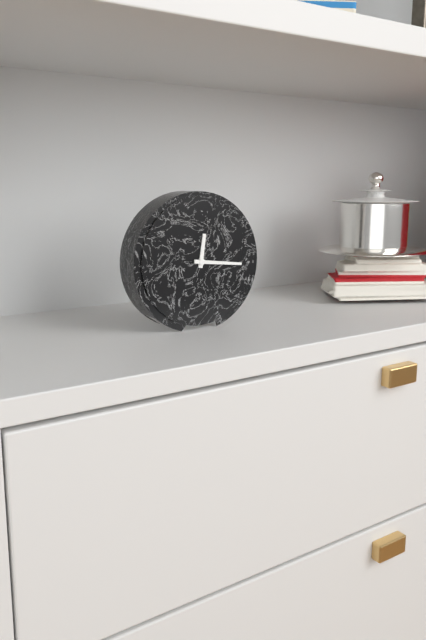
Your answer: **12:16**
